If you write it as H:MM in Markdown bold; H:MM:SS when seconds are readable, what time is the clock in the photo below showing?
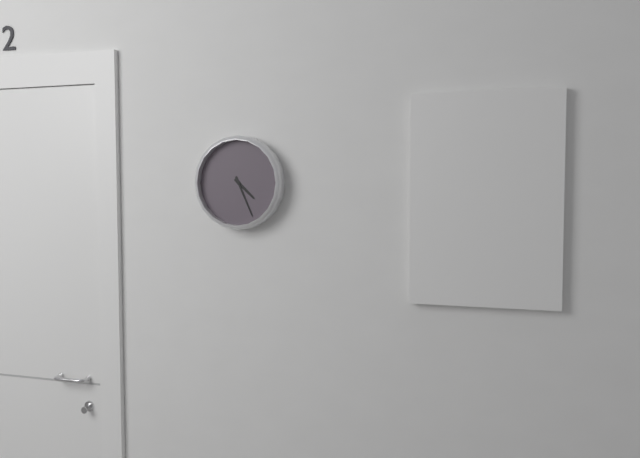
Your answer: **4:26**
